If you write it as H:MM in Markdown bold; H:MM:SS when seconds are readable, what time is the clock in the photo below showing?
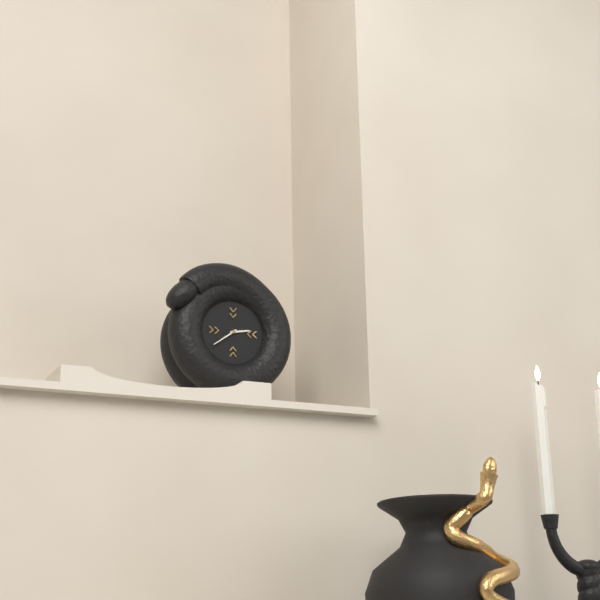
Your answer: **2:39**
